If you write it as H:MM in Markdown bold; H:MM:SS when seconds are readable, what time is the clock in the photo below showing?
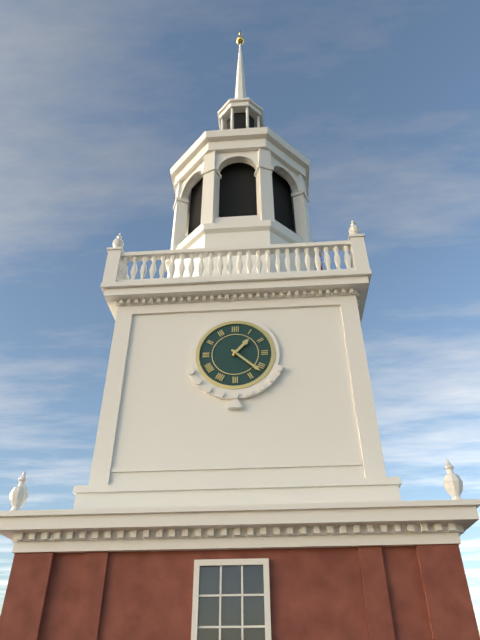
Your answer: **1:22**
